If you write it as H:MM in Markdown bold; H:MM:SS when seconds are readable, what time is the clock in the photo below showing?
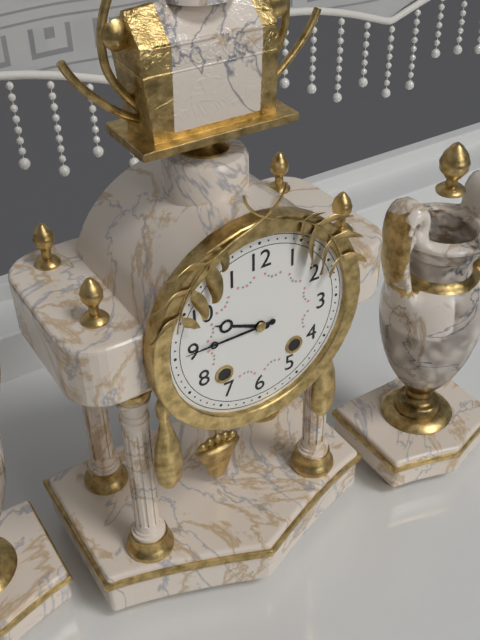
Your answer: **9:45**
